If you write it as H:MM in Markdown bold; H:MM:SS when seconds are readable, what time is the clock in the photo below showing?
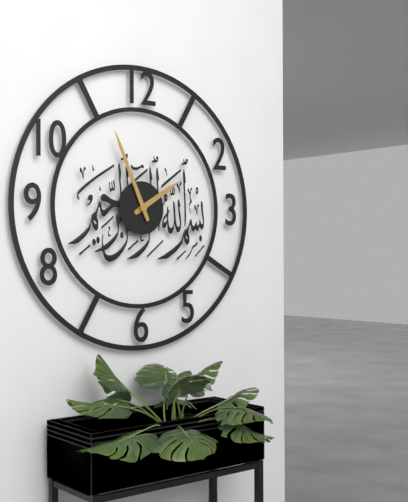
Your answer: **1:56**
